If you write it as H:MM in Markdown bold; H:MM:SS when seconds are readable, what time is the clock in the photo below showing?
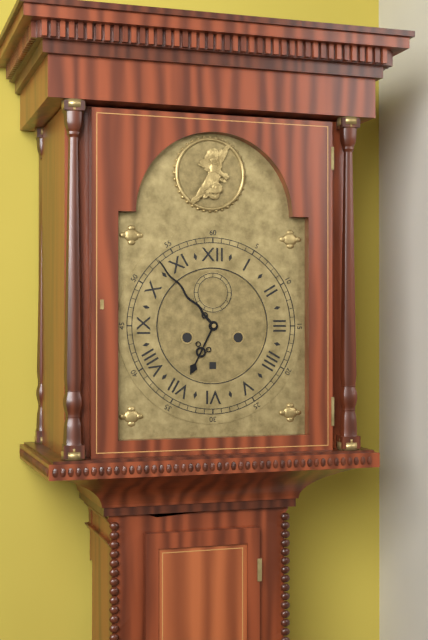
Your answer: **6:53**
